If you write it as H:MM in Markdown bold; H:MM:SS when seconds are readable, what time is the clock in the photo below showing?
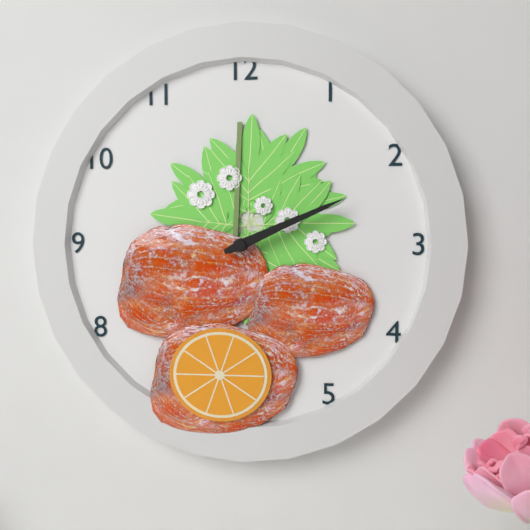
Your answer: **2:11**
